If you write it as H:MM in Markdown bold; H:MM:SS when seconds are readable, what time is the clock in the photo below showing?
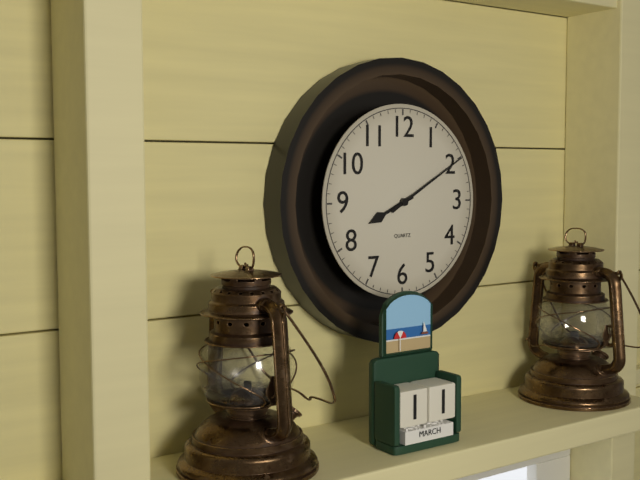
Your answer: **8:10**
